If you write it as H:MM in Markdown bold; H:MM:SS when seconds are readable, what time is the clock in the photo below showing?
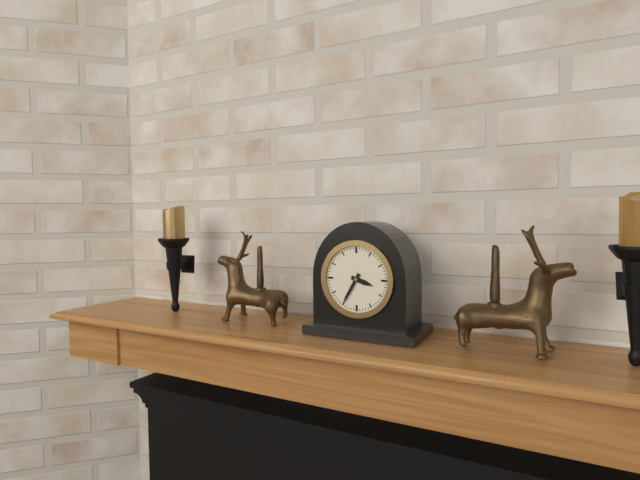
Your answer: **3:35**
